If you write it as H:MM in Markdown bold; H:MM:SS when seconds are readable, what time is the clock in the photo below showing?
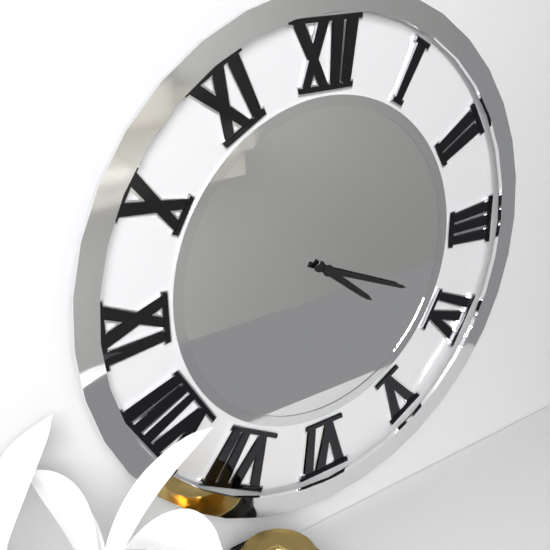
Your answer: **4:19**
